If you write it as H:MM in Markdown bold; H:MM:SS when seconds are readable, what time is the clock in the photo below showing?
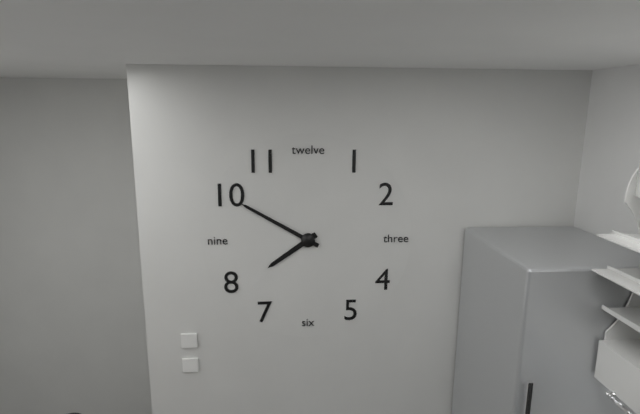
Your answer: **7:50**
